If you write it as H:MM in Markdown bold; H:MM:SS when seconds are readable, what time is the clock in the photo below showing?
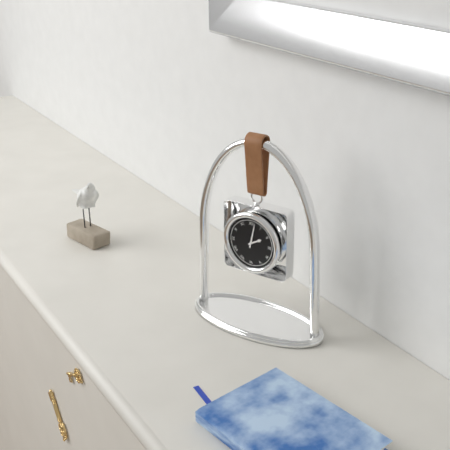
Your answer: **2:02**
